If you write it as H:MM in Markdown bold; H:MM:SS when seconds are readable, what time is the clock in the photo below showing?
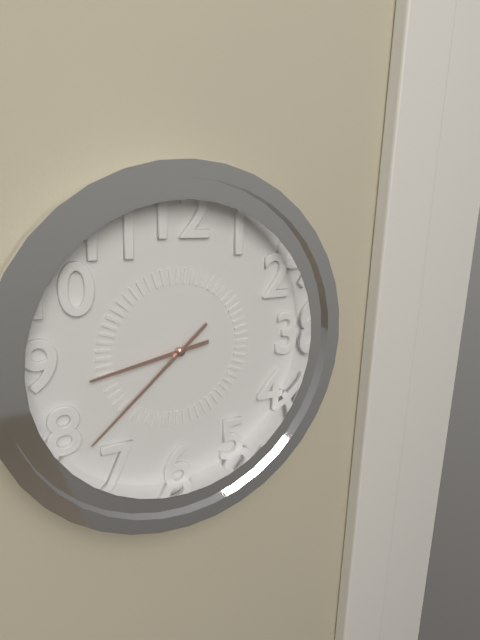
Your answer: **8:38**
